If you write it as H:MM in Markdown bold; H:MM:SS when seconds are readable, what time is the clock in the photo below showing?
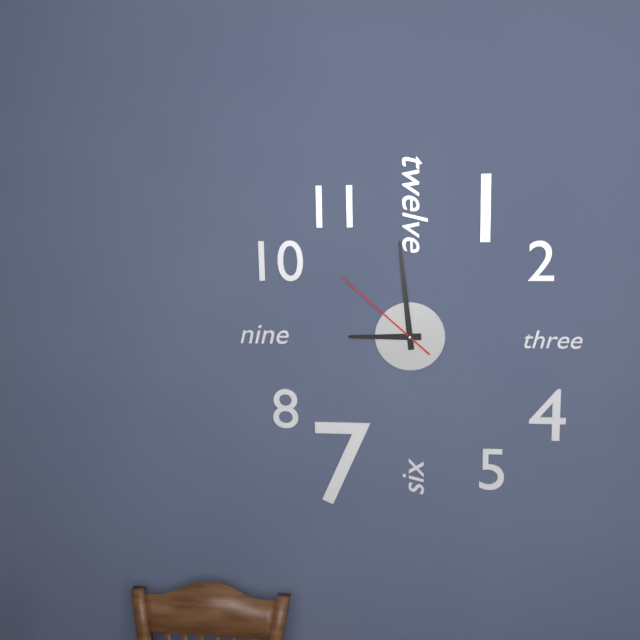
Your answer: **8:59:52**
